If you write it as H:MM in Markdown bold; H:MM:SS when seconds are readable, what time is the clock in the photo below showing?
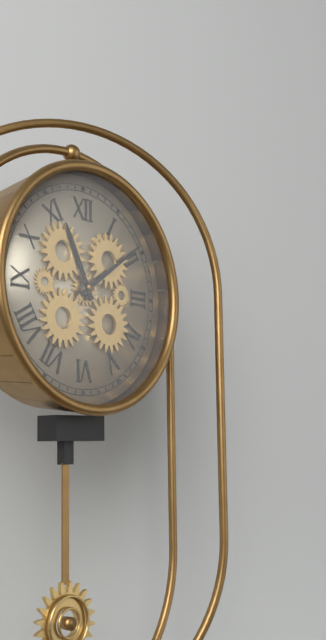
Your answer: **11:09**
